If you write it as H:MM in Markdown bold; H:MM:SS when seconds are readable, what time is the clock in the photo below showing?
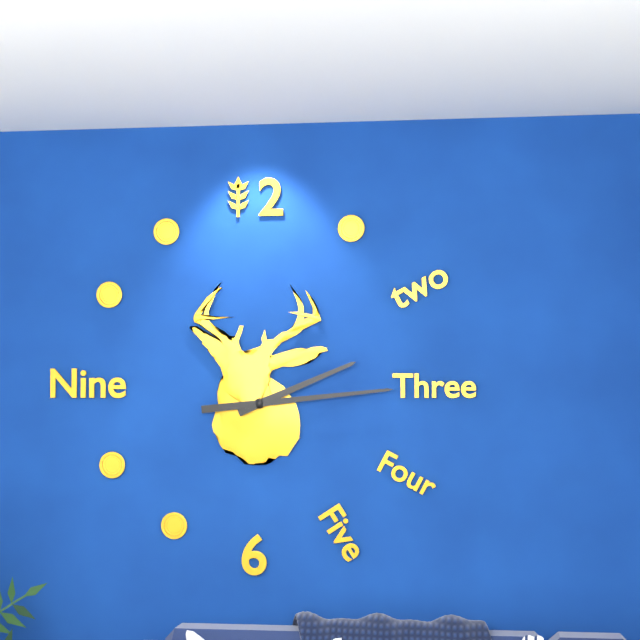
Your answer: **2:14**
